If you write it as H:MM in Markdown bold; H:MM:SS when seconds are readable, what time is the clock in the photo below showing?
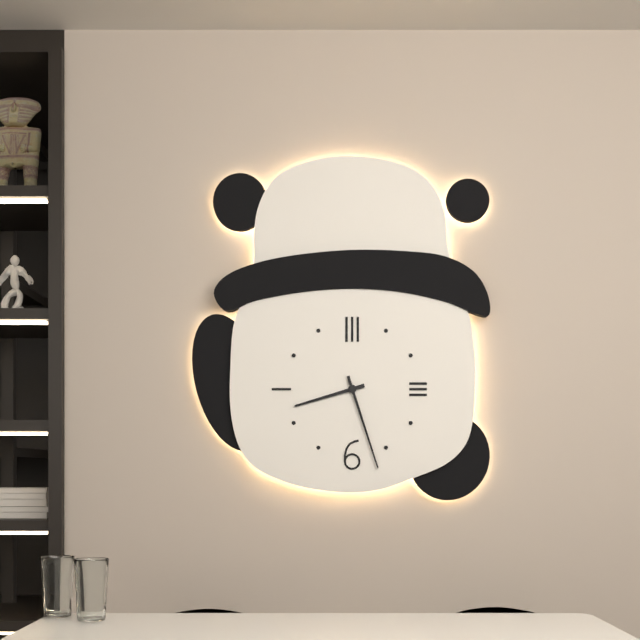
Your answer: **8:27**
